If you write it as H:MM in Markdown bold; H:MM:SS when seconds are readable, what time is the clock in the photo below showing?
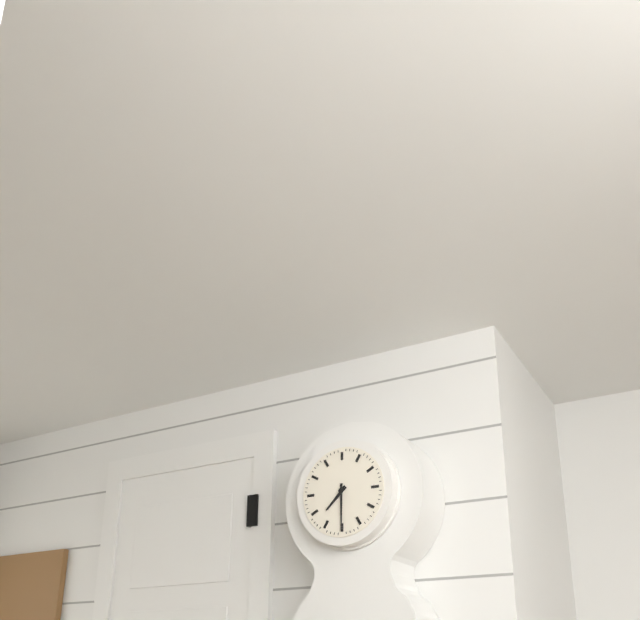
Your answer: **7:30**
